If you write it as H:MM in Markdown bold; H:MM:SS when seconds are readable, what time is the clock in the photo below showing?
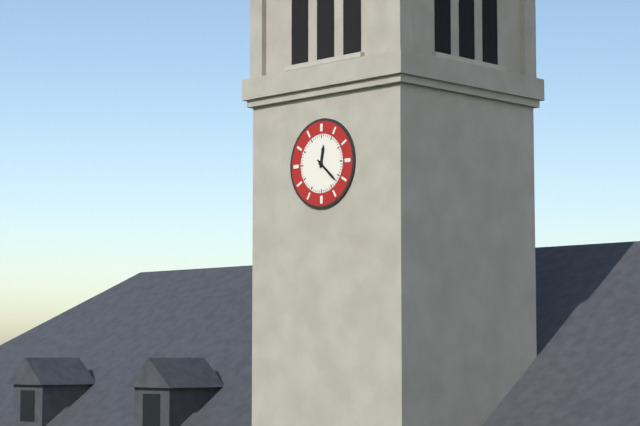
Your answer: **12:22**
